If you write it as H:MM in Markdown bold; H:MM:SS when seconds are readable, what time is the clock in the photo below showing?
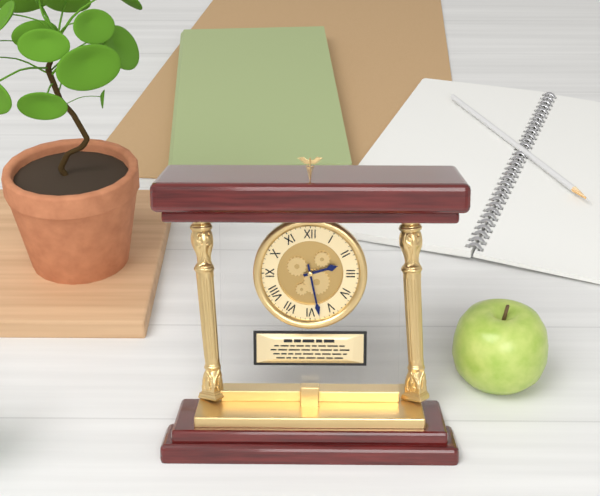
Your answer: **2:28**
